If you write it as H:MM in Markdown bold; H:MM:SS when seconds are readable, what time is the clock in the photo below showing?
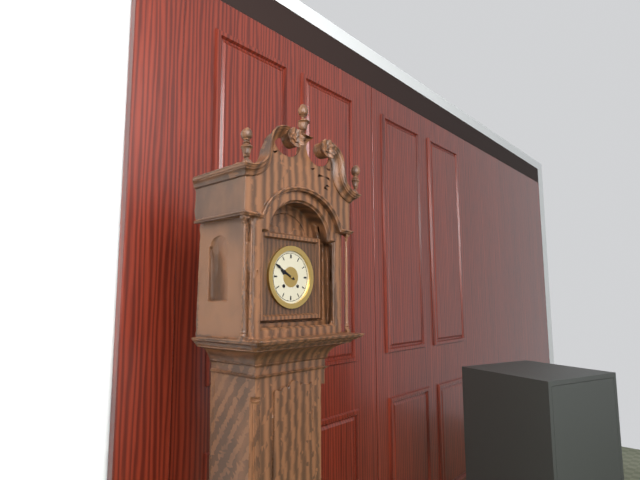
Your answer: **9:50**
